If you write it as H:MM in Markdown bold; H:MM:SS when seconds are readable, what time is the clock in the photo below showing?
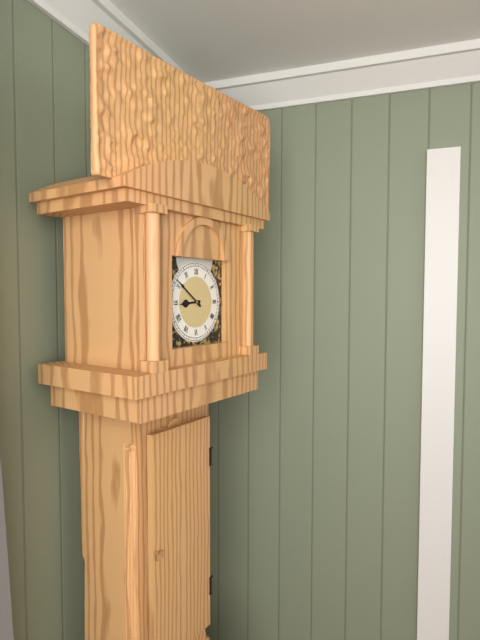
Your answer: **8:51**
